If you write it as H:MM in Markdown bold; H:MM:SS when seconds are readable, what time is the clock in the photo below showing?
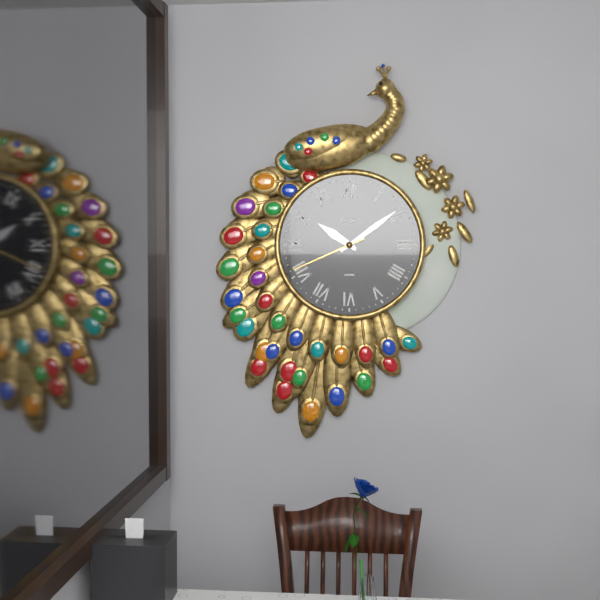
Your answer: **10:09:41**
